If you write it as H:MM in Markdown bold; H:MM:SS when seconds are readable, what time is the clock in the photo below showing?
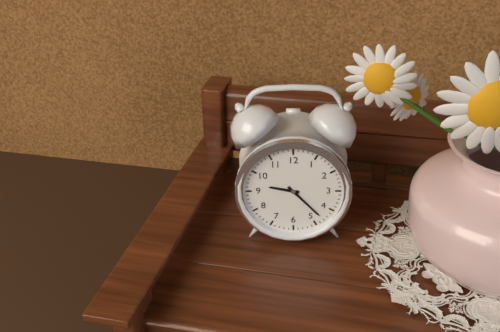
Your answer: **9:23**
